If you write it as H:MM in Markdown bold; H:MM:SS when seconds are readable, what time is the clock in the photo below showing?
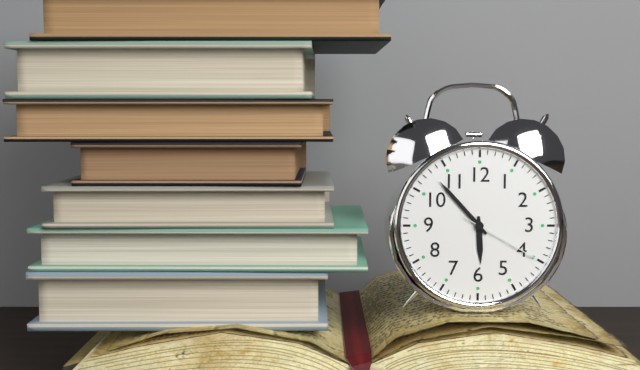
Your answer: **5:53:20**
